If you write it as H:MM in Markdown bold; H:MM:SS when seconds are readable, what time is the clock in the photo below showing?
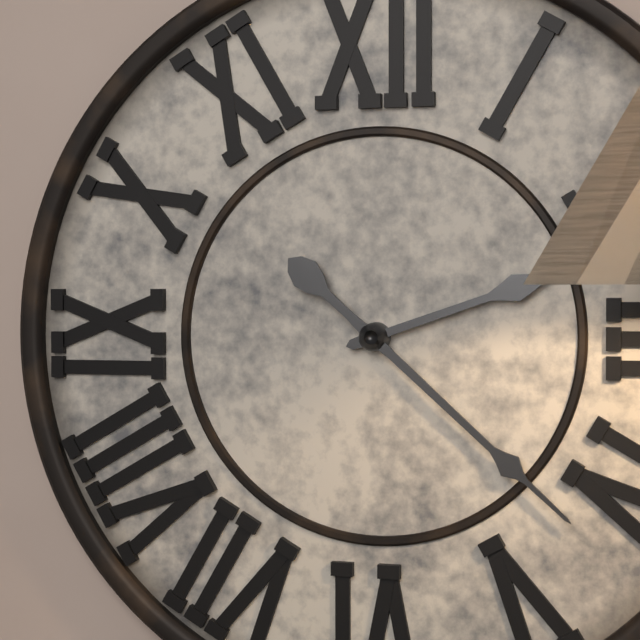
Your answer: **2:22**
